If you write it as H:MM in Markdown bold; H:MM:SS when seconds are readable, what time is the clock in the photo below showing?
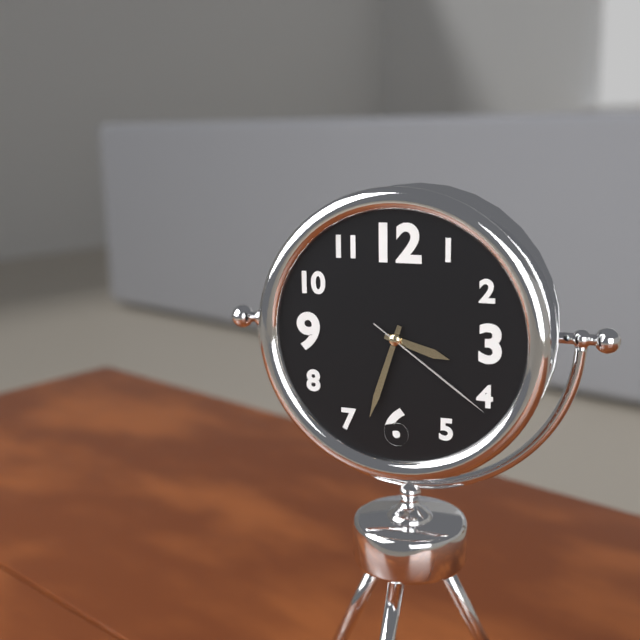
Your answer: **3:33:21**
